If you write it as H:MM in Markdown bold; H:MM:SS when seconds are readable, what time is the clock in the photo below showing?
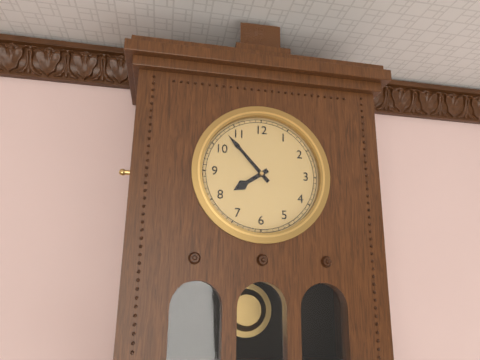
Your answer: **7:53**
